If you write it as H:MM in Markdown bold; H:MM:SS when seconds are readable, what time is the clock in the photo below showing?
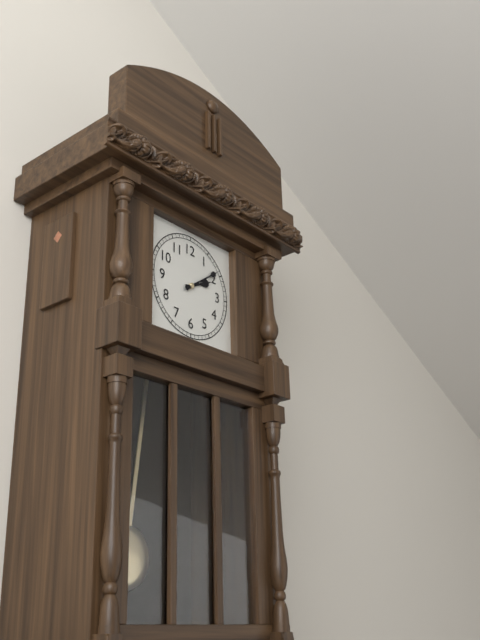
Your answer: **2:09**
